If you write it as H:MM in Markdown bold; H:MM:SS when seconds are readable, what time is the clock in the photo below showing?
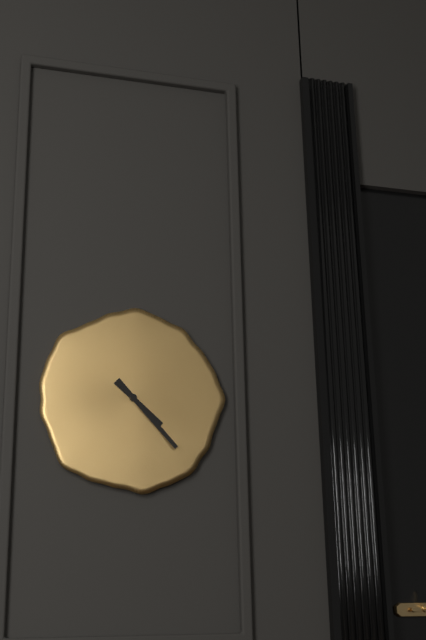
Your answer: **4:23**
